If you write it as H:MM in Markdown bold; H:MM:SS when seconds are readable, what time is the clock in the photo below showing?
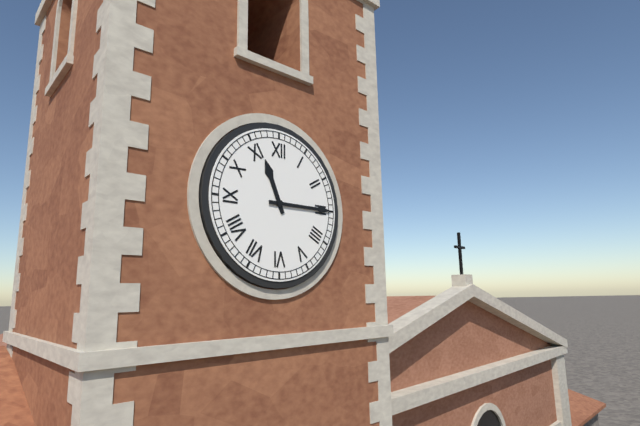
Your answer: **11:15**
